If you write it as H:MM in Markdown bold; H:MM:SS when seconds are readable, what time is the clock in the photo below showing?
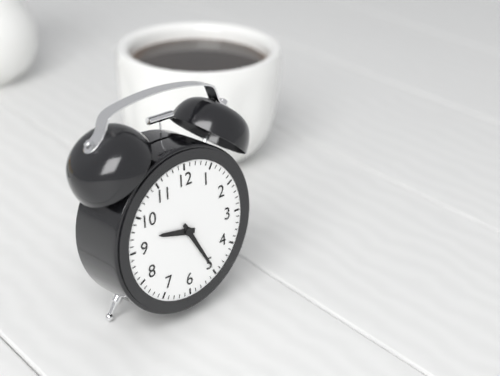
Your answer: **9:25**
